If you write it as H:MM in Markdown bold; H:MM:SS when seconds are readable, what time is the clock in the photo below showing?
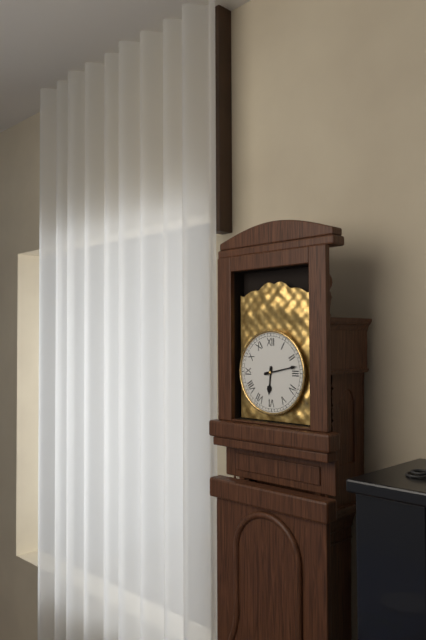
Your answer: **6:13**
